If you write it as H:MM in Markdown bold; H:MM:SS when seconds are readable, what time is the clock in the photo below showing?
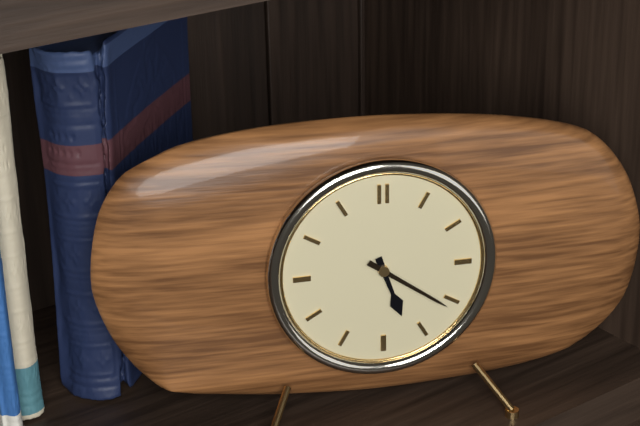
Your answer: **5:21**
